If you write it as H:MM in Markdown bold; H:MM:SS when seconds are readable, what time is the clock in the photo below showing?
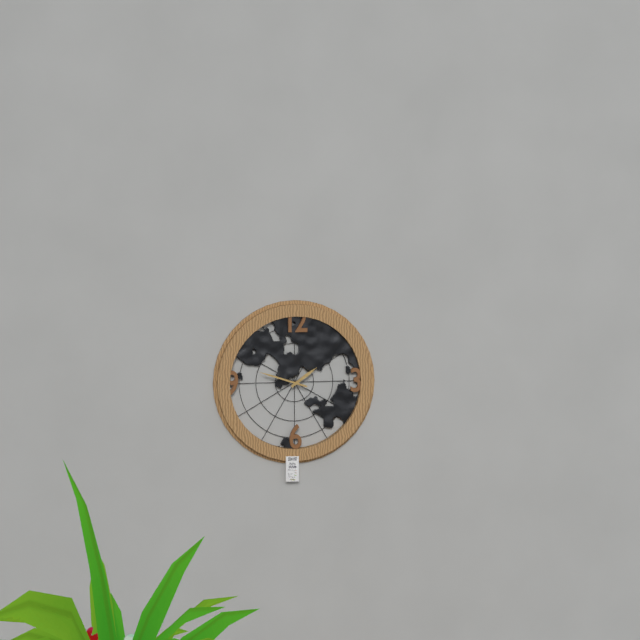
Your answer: **1:48**
